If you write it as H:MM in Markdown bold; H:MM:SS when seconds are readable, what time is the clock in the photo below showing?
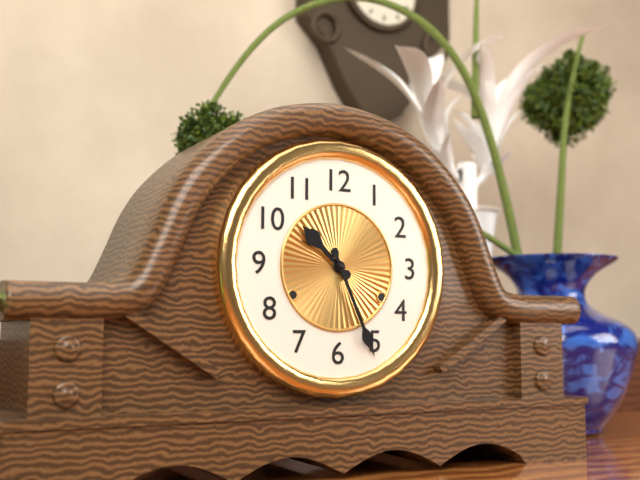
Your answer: **10:26**
